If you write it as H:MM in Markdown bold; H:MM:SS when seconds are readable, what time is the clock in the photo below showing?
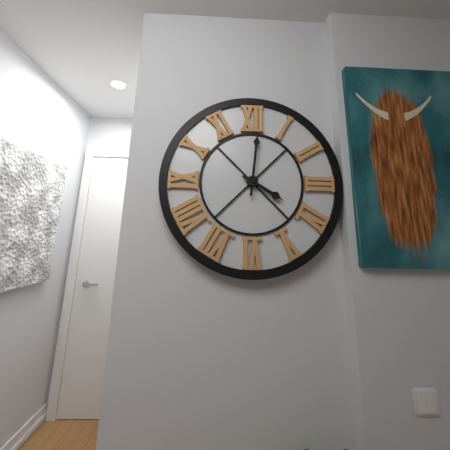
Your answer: **4:01**
